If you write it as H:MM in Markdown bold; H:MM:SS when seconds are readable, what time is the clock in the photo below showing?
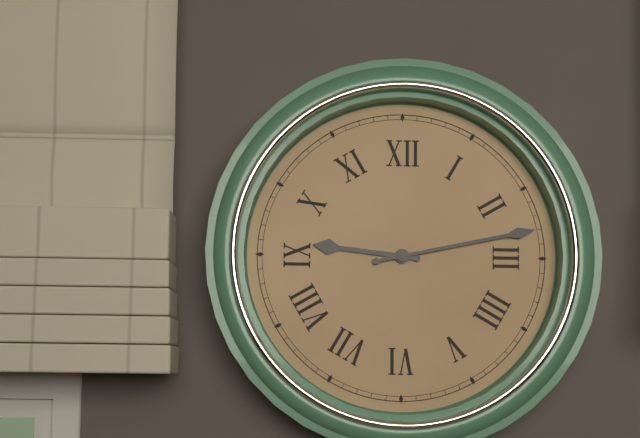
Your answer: **9:13**
